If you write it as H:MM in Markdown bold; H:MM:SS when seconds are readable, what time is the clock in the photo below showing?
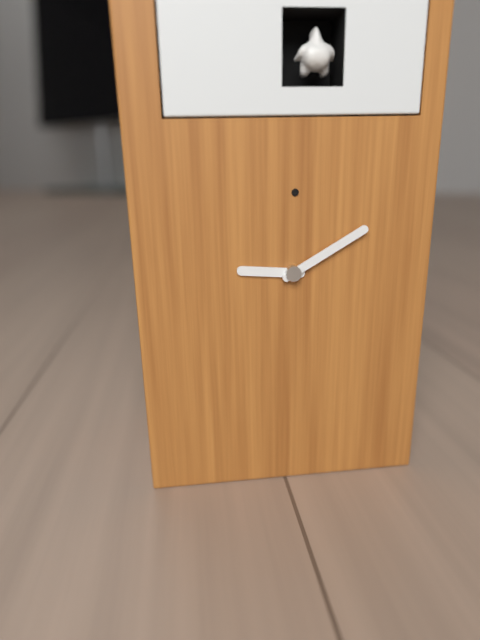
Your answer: **9:10**
